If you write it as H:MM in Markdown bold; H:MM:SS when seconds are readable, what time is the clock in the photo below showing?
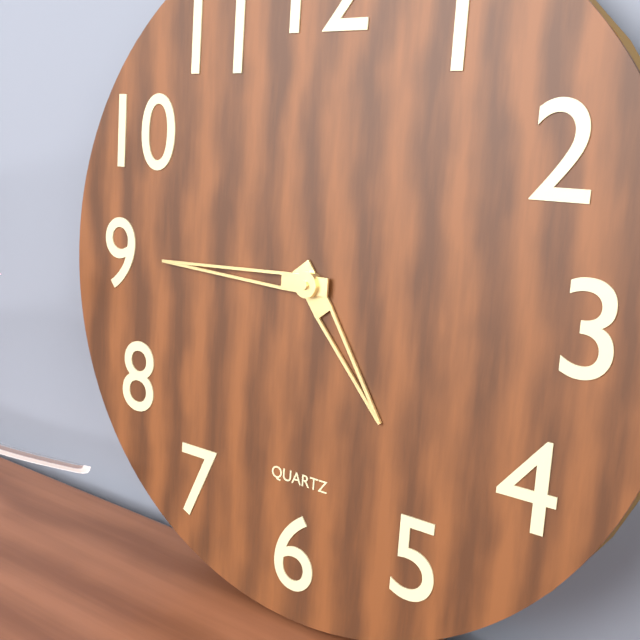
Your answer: **4:45**
